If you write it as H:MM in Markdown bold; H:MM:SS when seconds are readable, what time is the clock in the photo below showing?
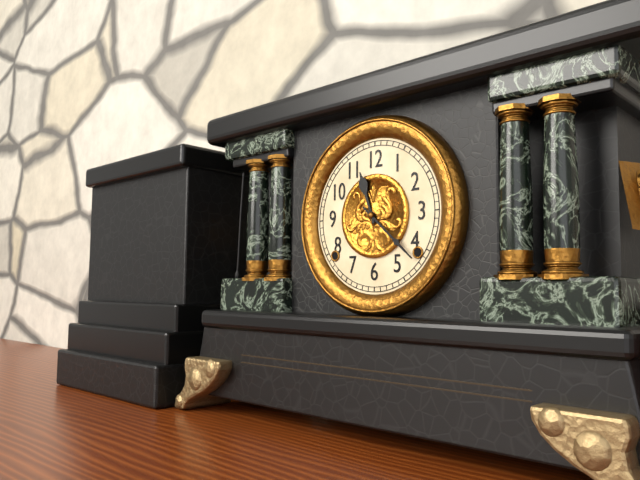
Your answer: **11:22**
